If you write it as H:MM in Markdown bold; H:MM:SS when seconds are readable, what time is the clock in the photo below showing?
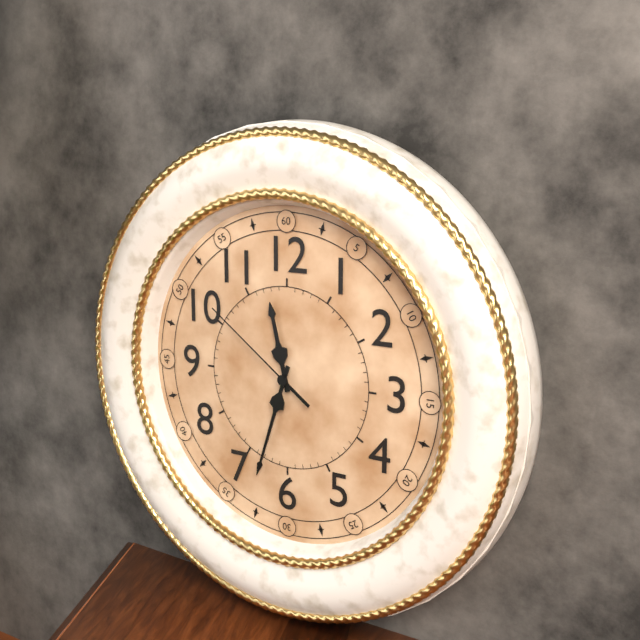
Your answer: **11:33:51**
